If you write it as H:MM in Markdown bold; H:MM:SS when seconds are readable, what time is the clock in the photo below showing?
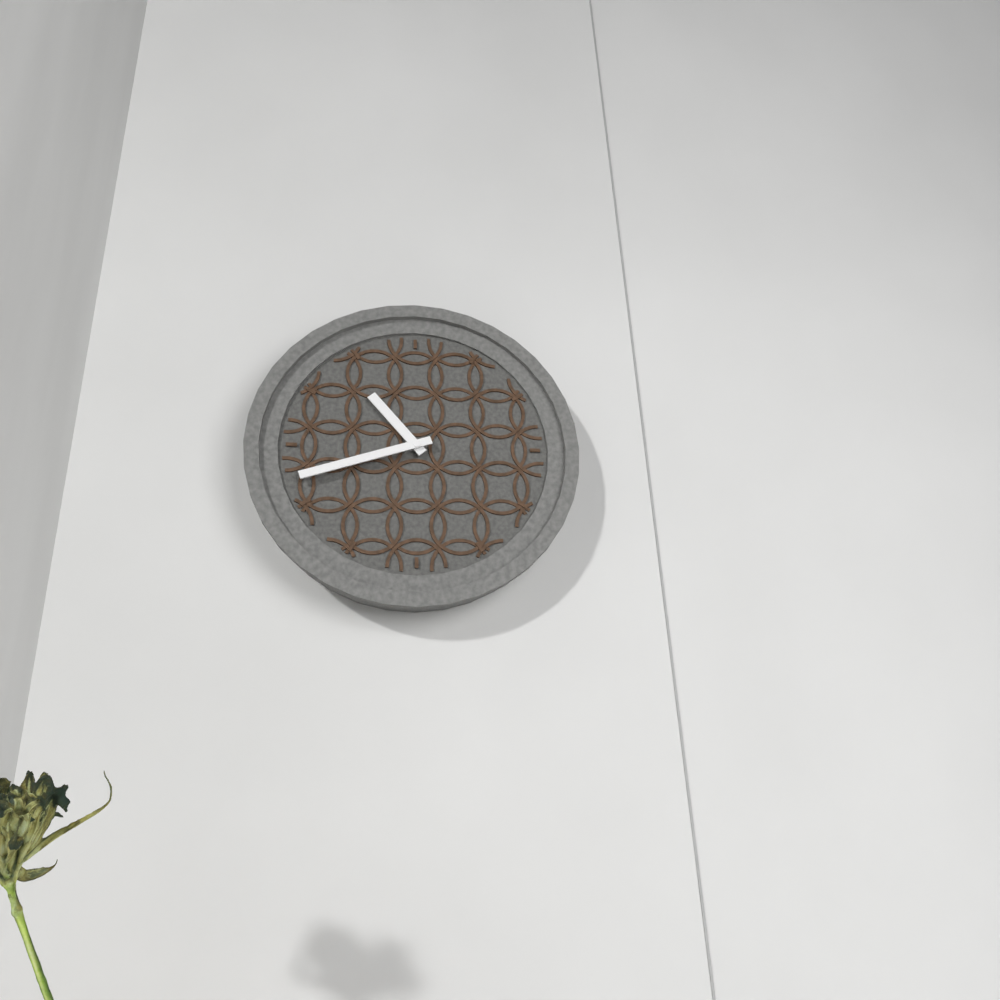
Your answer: **10:42**
